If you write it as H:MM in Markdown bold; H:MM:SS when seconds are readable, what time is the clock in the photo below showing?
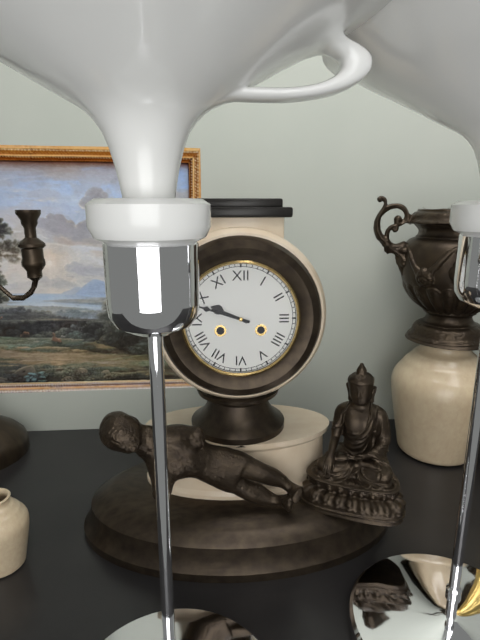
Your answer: **9:48**
